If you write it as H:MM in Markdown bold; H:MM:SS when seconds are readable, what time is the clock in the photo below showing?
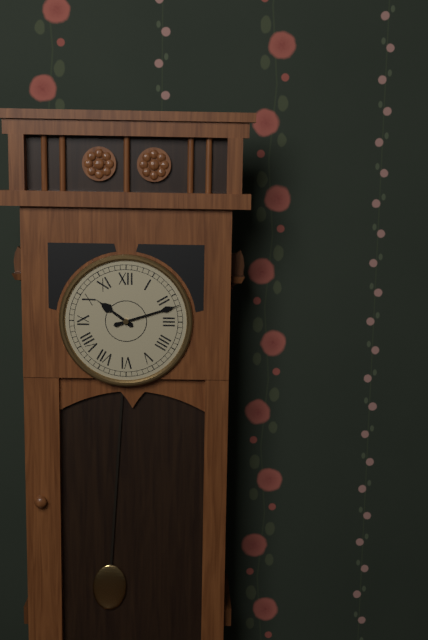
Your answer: **10:12**
